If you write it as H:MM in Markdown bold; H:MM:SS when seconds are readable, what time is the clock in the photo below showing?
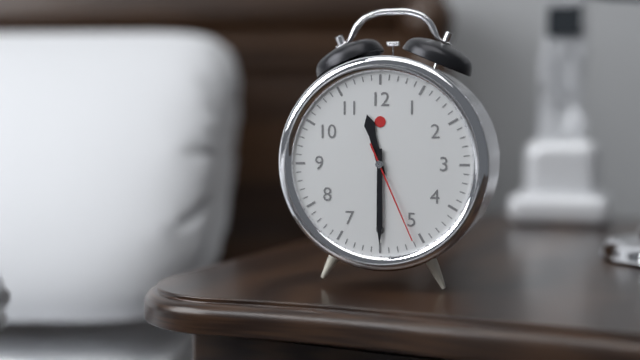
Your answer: **11:30:26**
